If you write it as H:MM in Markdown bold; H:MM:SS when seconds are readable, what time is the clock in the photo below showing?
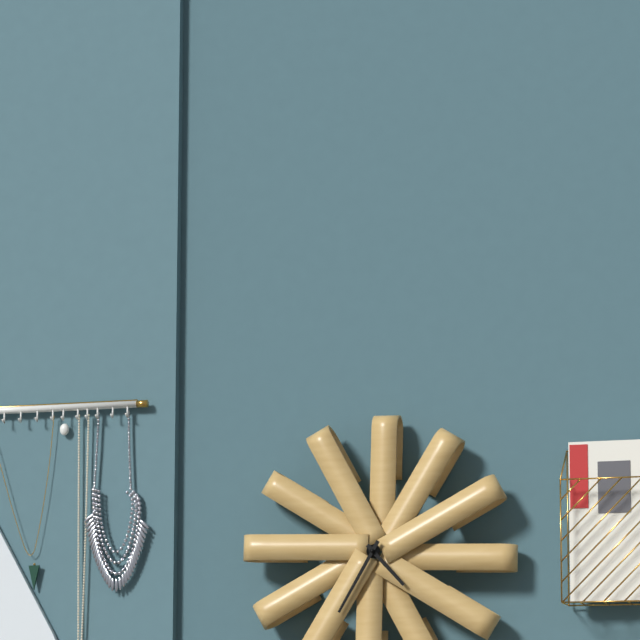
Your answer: **4:35**
